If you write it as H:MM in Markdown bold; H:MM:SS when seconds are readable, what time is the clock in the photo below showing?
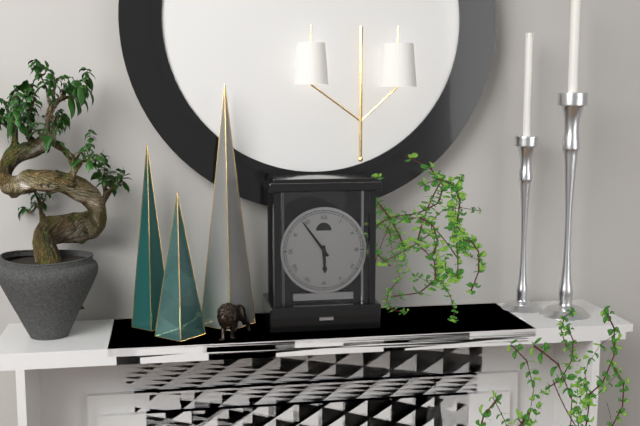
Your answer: **5:54**
